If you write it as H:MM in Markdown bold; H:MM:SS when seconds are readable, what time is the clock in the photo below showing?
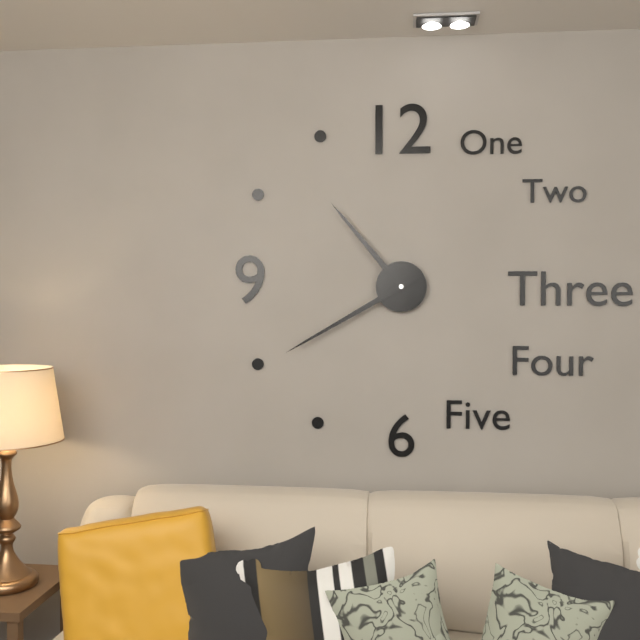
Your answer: **10:40**
